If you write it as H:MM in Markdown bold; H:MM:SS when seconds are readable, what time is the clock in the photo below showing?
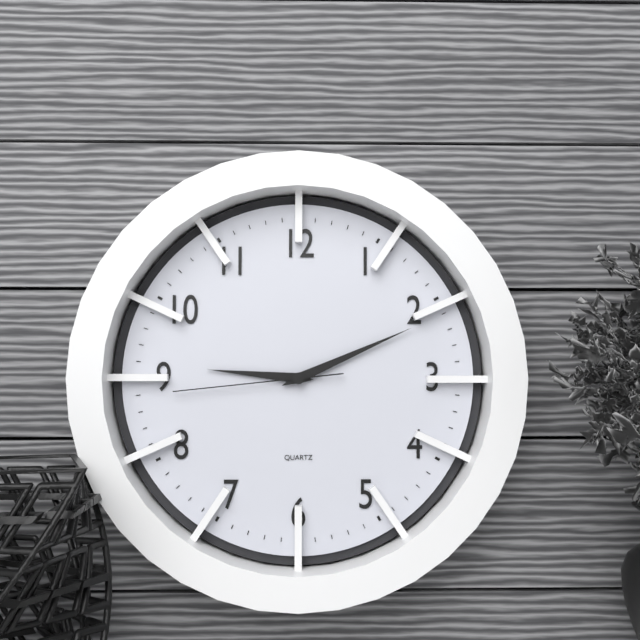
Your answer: **9:11:44**
